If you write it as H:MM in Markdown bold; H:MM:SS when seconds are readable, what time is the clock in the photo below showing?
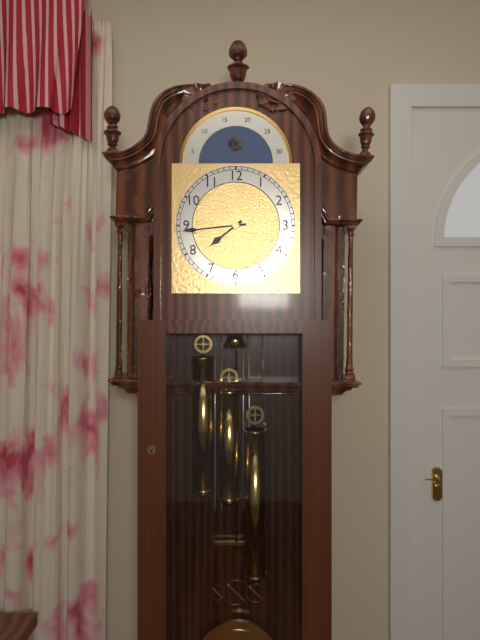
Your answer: **7:44**
